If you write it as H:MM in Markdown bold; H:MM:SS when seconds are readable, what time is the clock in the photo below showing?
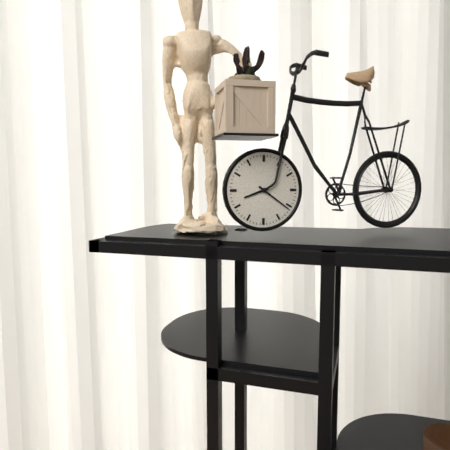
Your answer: **8:21**
